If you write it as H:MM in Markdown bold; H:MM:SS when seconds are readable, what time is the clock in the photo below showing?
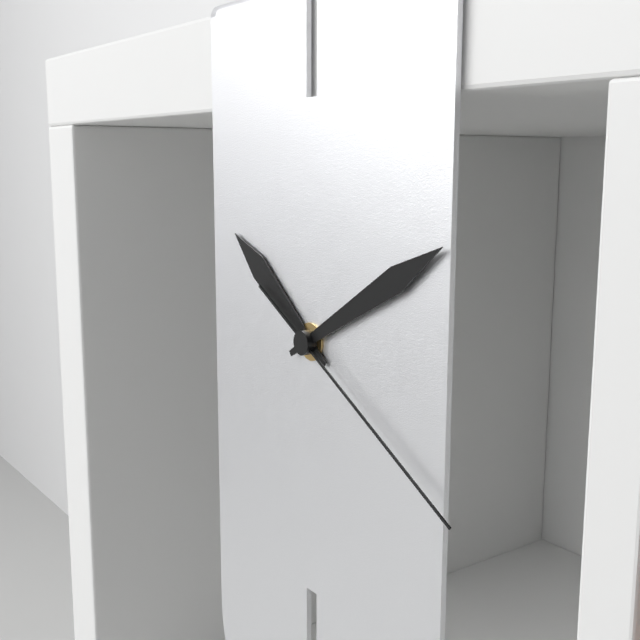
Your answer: **10:10:20**
